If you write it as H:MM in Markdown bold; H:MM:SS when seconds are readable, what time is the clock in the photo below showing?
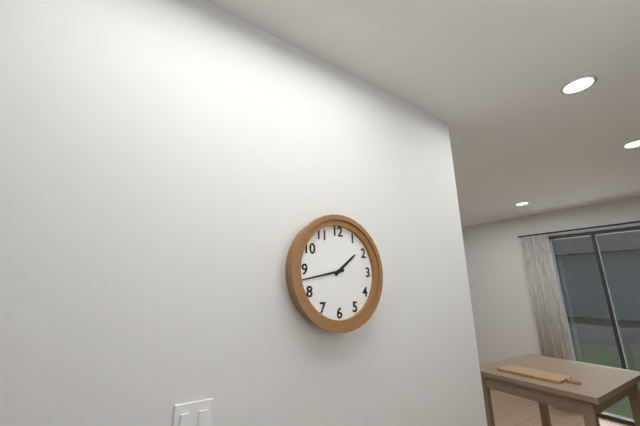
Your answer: **1:43**
